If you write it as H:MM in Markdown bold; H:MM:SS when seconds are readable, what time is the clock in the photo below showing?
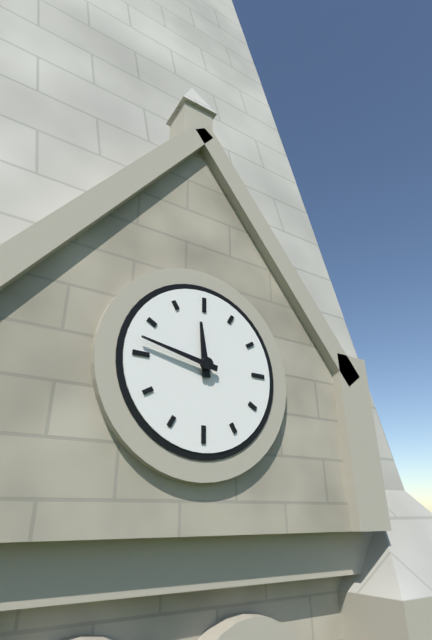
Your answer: **11:47**
